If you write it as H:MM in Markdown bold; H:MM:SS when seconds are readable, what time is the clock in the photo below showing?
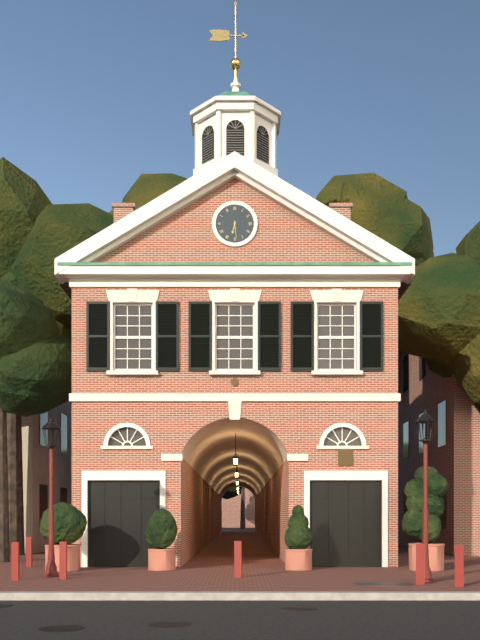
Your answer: **6:29**
